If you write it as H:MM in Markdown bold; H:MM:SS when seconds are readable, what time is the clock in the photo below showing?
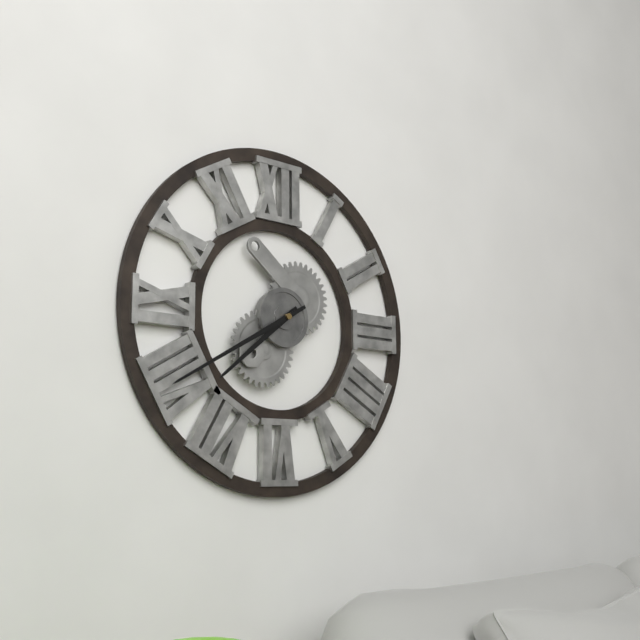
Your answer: **7:40**
